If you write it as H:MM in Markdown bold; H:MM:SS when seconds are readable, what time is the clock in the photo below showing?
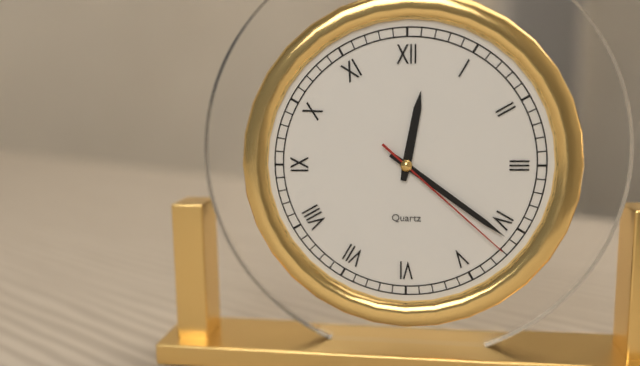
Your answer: **12:21:22**
